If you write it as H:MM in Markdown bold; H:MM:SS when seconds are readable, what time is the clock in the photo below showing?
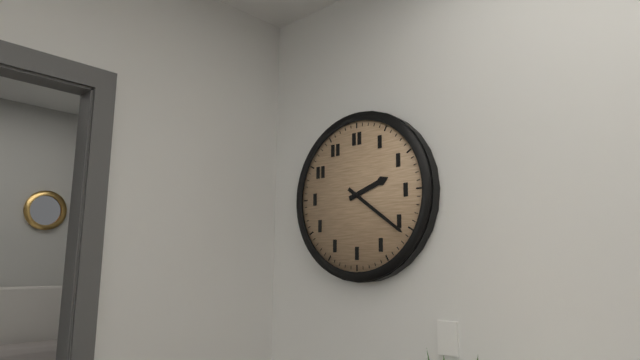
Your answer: **2:21**
